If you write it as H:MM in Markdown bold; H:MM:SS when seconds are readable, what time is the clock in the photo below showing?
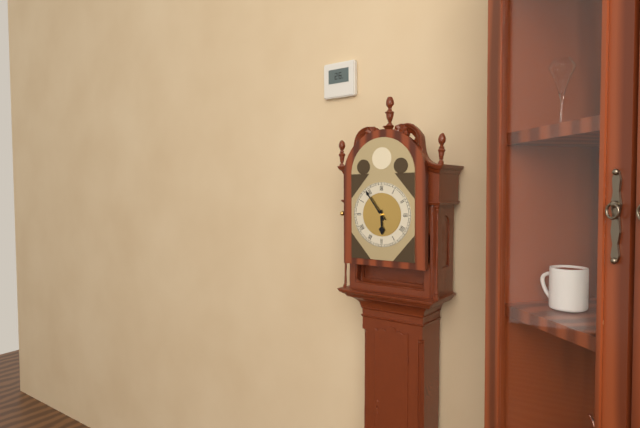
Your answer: **5:54**
